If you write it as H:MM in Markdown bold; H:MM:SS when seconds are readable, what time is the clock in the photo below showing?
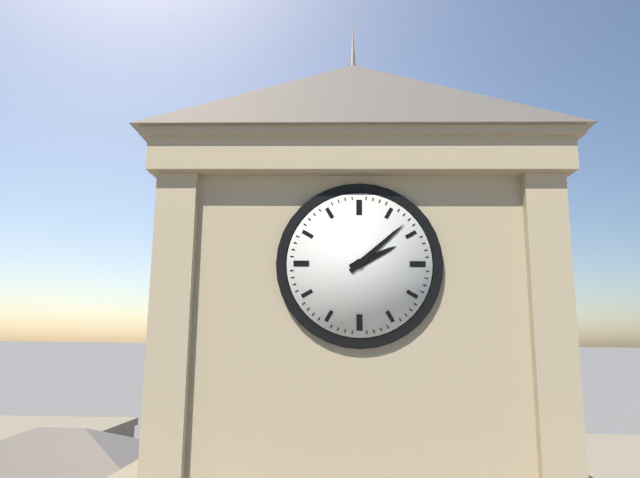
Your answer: **2:08**
